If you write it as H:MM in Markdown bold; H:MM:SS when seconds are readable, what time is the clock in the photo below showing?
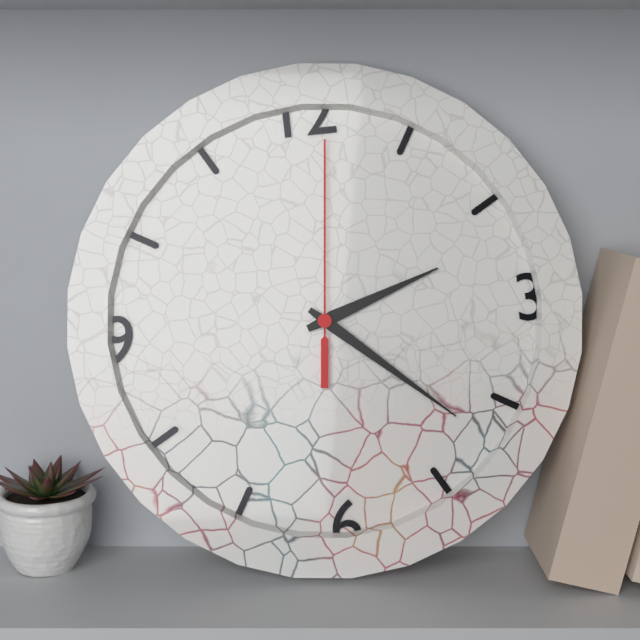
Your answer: **2:22:01**
